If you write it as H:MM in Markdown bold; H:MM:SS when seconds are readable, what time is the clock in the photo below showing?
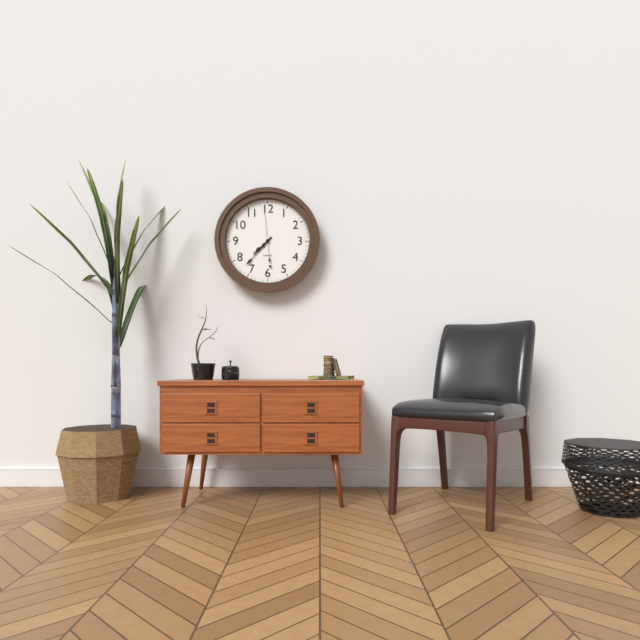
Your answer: **7:37**
